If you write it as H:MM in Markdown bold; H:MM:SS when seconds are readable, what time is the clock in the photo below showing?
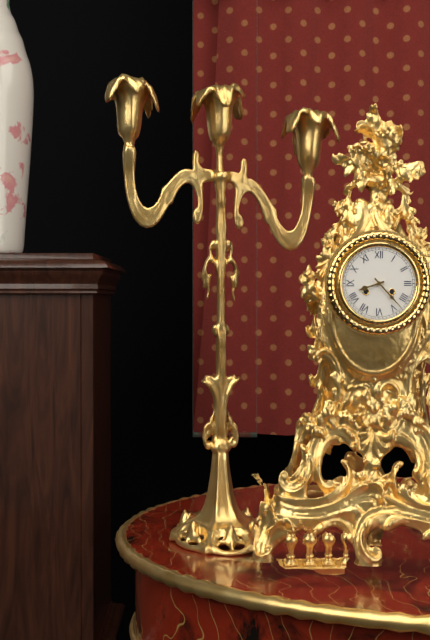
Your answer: **8:23**
